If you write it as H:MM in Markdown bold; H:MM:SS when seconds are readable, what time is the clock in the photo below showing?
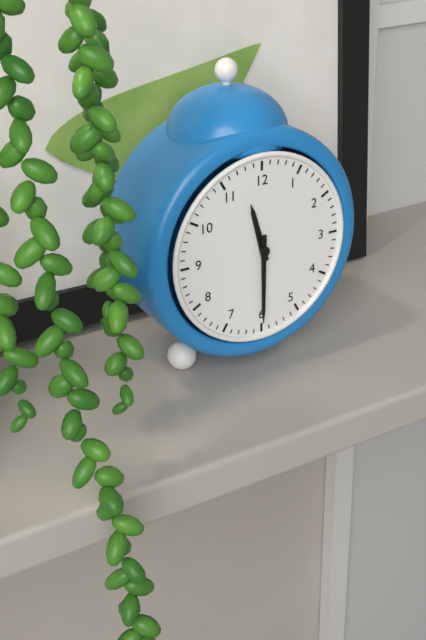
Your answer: **11:30**
